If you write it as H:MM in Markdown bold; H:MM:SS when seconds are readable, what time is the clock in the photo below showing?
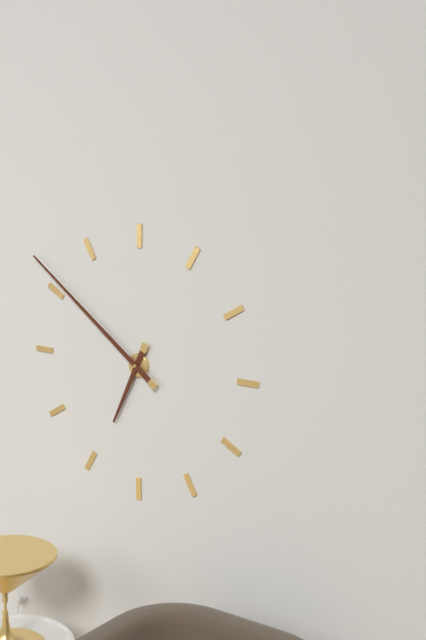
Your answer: **6:51**
